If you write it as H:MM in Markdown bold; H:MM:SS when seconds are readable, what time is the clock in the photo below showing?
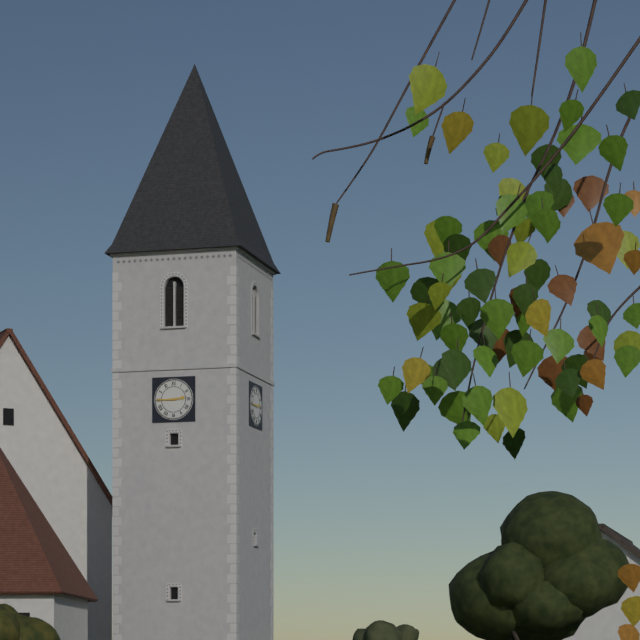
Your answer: **2:45**
